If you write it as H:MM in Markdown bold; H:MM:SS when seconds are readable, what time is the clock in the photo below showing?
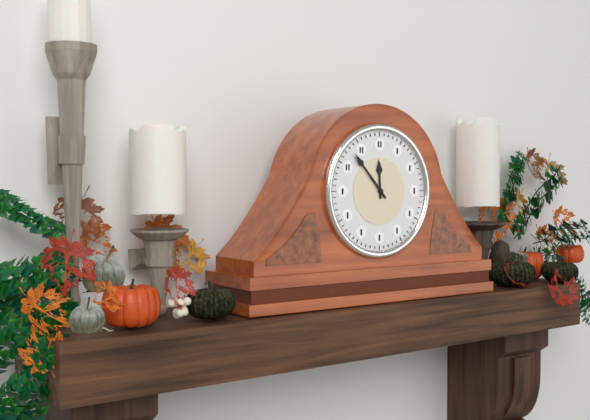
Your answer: **11:53**
